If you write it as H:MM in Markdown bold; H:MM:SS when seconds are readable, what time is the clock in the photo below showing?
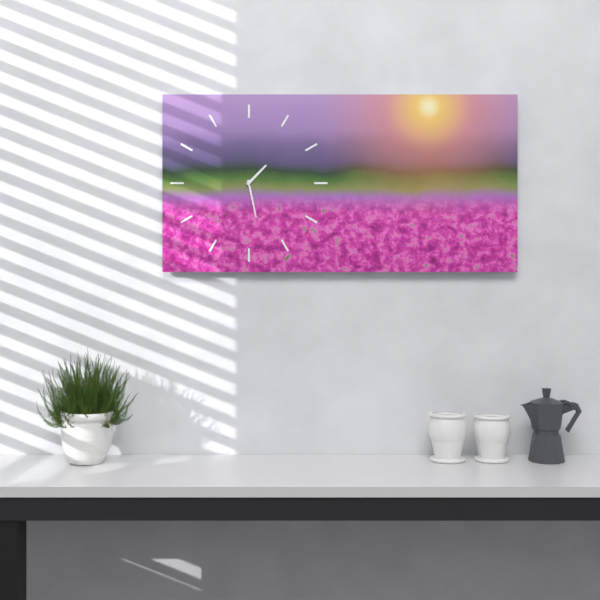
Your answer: **1:28**
